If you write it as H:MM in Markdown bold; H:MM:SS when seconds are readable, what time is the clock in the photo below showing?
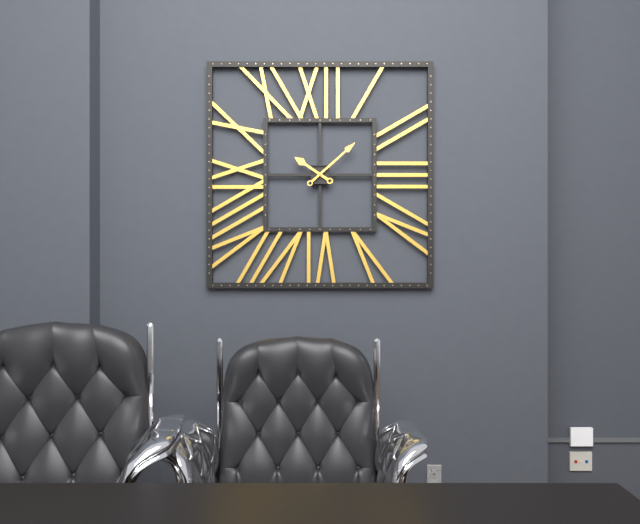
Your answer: **10:08**
